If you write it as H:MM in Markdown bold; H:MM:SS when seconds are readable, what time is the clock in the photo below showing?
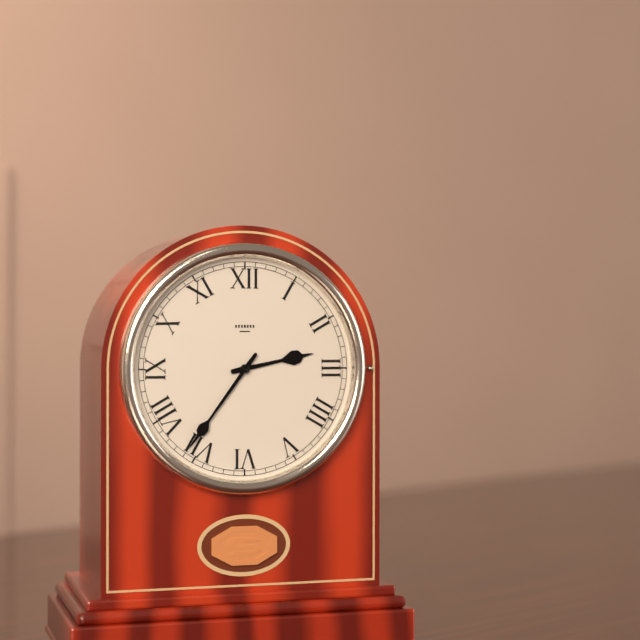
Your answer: **2:36**
